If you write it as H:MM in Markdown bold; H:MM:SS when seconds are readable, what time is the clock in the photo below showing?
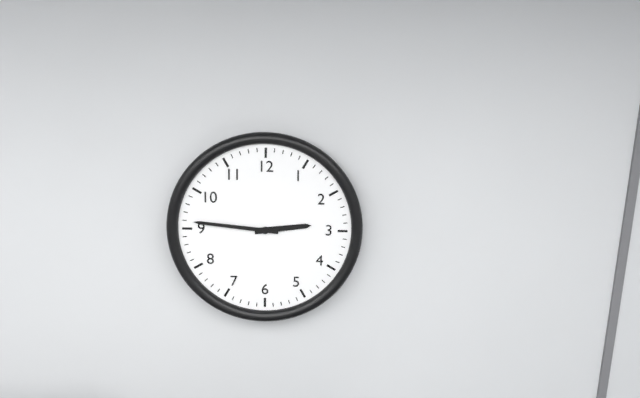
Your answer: **2:46**
